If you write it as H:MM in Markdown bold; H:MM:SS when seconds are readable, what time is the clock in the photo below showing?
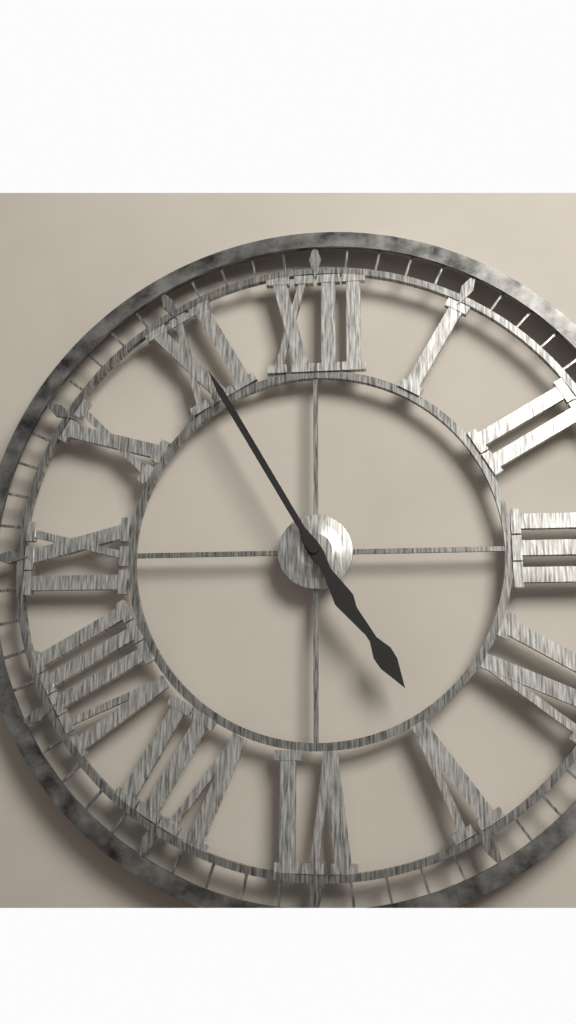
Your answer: **4:55**
